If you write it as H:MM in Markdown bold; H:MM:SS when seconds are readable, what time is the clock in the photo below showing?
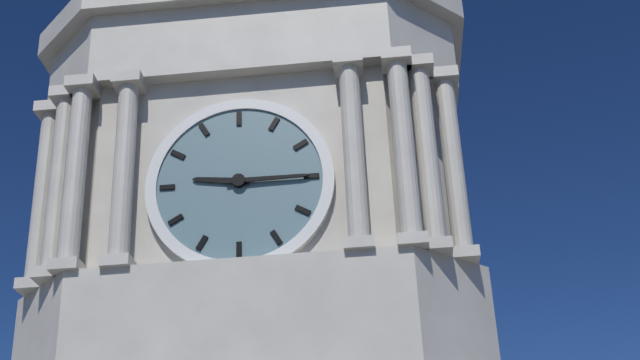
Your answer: **9:15**
